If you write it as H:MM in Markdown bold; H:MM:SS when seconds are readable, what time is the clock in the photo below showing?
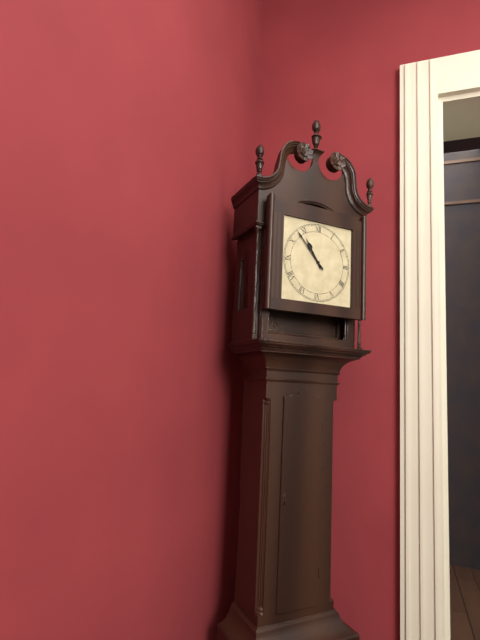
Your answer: **10:53**
